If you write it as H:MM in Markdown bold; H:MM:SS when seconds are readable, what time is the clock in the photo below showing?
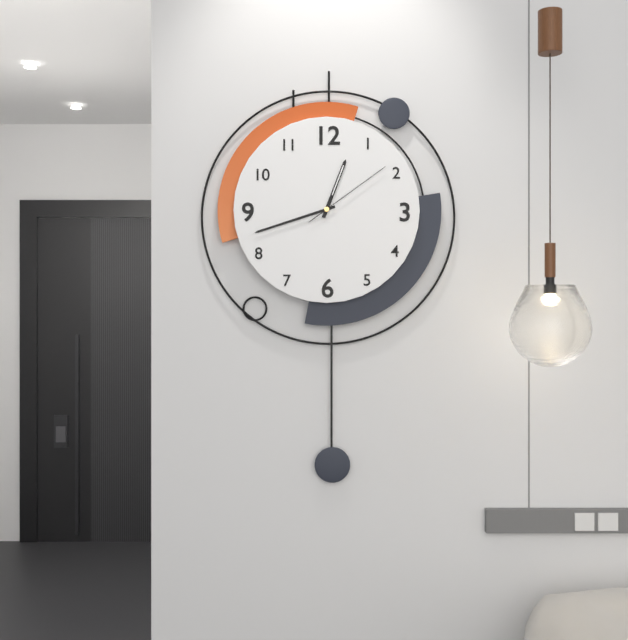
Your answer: **12:42:09**
